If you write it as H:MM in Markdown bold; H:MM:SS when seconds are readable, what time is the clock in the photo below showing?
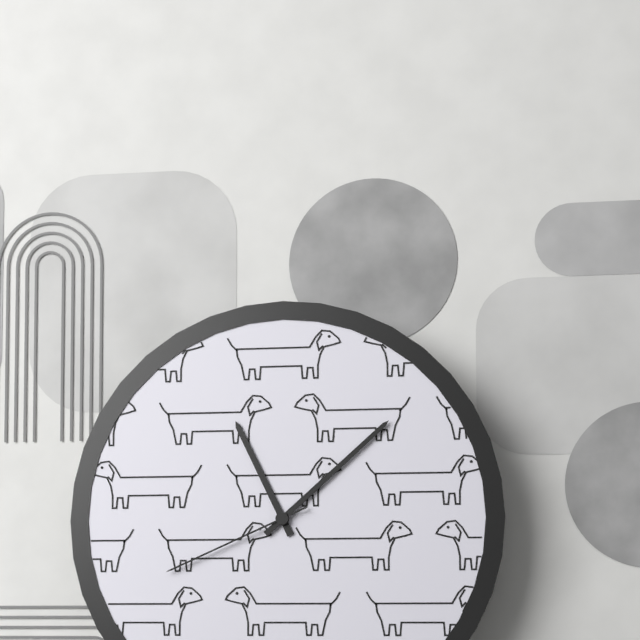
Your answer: **11:08:41**
